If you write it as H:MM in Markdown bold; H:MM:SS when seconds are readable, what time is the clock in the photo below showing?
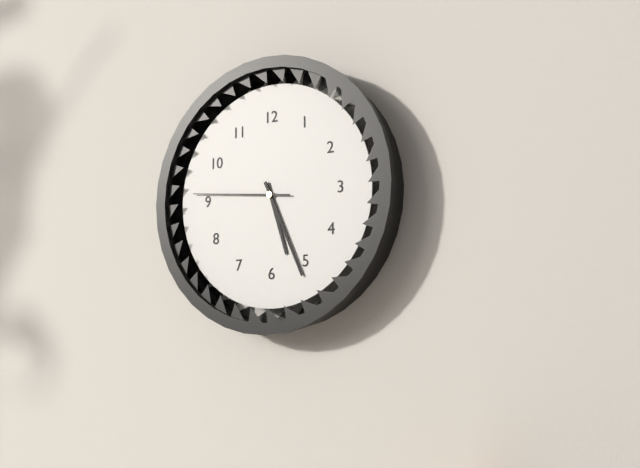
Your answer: **5:26:46**
